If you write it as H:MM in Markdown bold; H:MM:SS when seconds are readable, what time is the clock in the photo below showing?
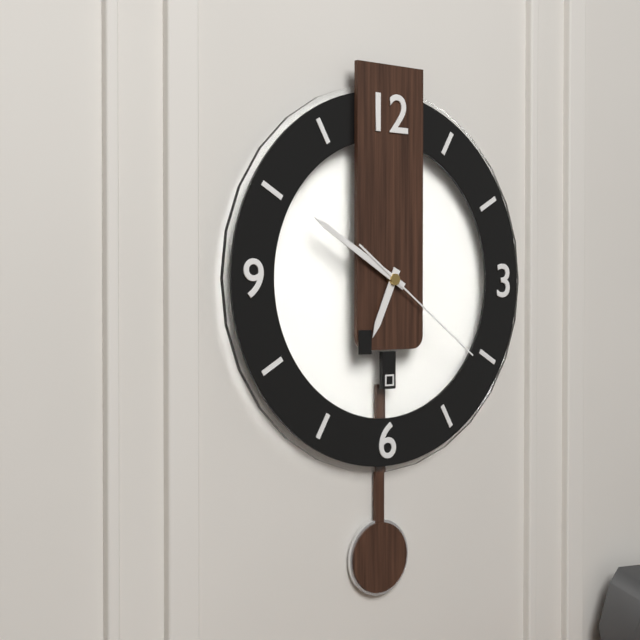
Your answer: **6:50:21**
